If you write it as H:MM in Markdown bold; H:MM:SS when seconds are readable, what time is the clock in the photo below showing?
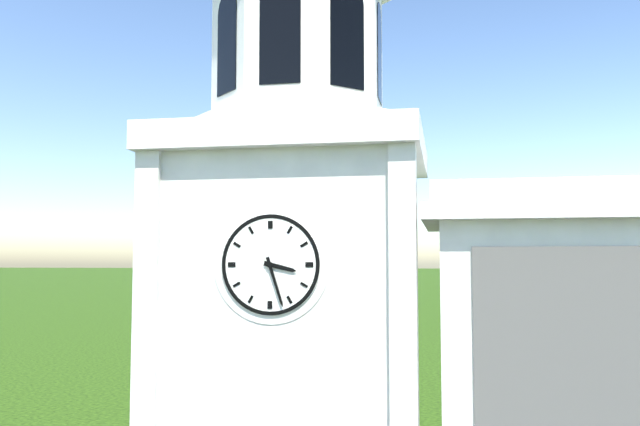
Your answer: **3:27**
